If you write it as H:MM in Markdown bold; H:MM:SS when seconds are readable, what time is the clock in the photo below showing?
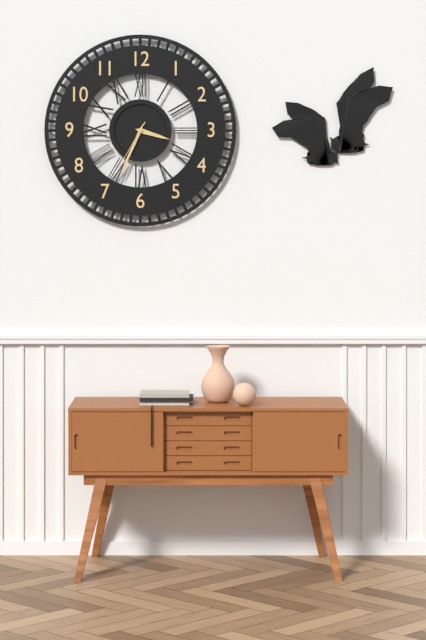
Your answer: **3:34**
